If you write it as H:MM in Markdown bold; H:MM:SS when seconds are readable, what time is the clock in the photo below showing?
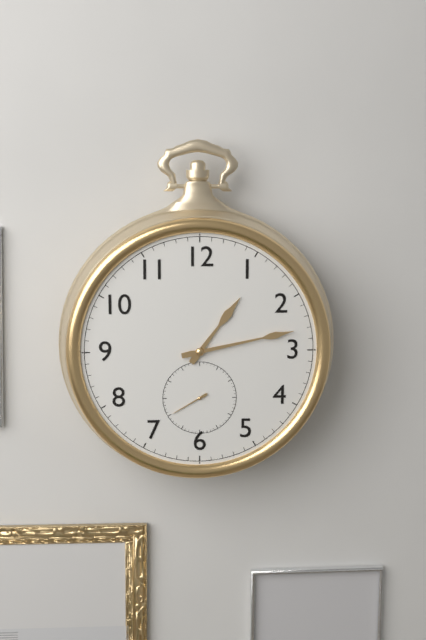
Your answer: **1:13**
